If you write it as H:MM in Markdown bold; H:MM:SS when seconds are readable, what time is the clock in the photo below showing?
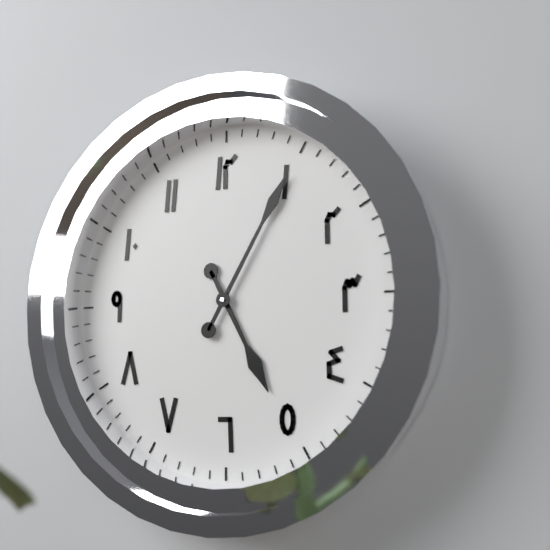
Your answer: **5:05**
